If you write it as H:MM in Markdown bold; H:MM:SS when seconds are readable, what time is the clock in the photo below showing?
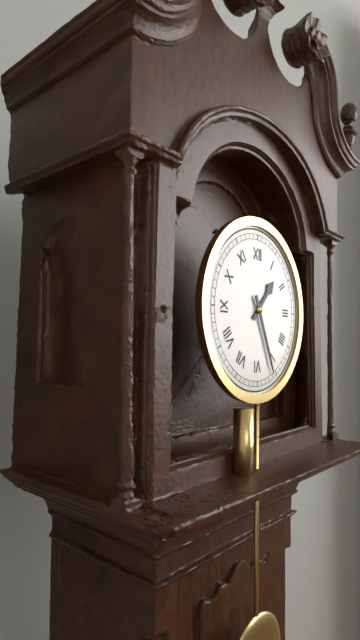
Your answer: **1:26**
